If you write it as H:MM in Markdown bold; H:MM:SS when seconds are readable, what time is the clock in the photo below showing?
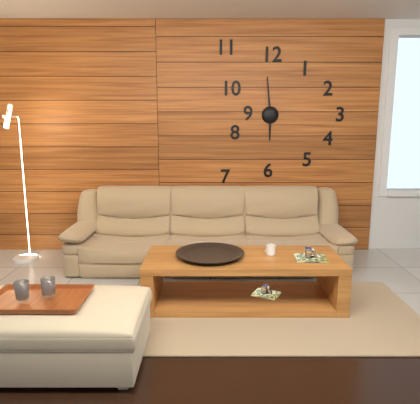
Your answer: **5:59**
